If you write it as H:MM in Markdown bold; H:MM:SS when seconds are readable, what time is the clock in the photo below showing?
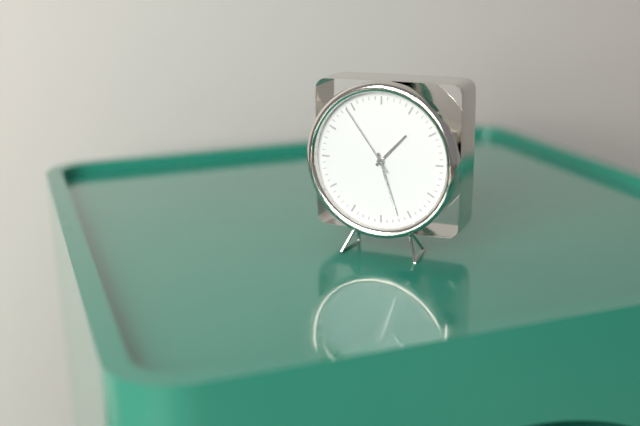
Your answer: **1:27:54**
